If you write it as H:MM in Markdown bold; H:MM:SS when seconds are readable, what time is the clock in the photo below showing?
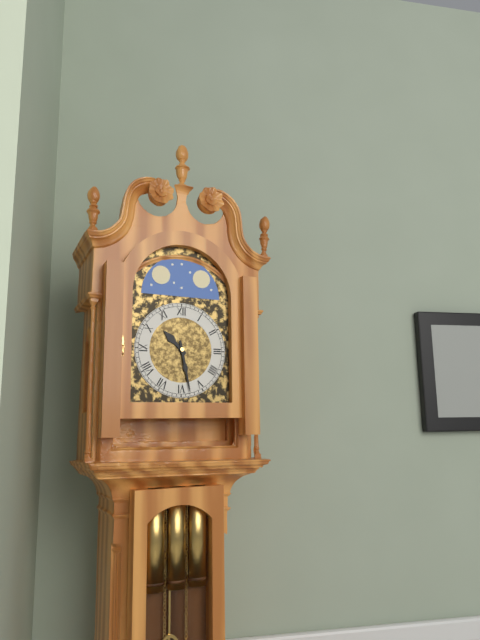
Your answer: **10:28**
